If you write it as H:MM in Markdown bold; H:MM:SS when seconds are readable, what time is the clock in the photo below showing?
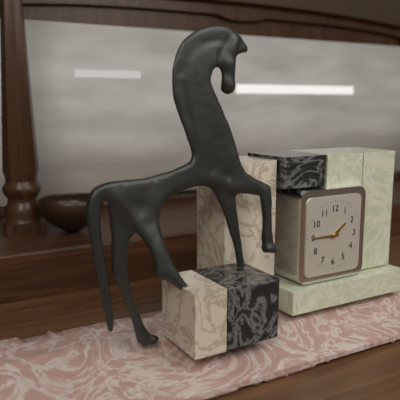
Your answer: **1:45**
